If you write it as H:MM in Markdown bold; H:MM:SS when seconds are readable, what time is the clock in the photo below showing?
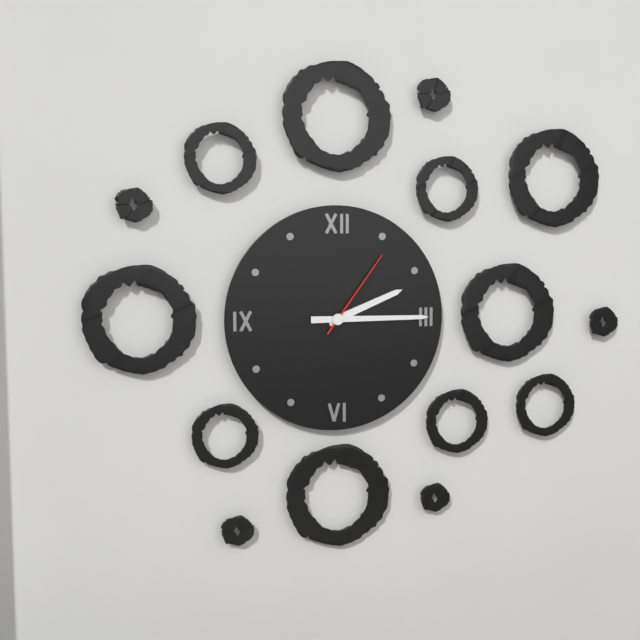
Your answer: **2:15:06**
